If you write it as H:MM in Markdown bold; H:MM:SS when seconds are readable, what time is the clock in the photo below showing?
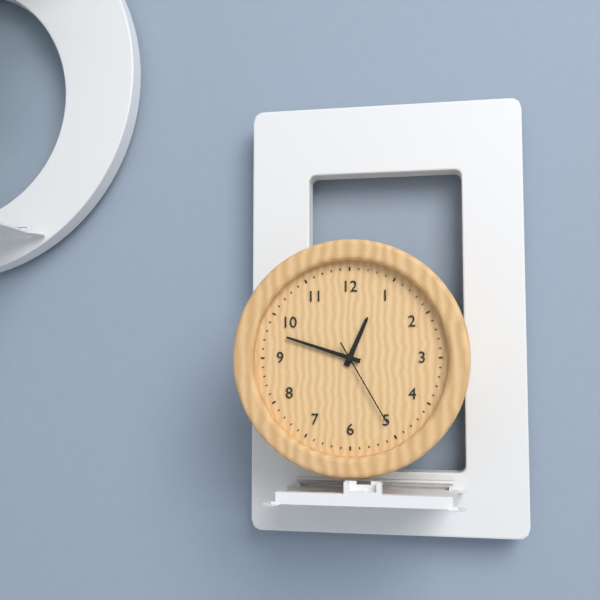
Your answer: **12:48:25**
